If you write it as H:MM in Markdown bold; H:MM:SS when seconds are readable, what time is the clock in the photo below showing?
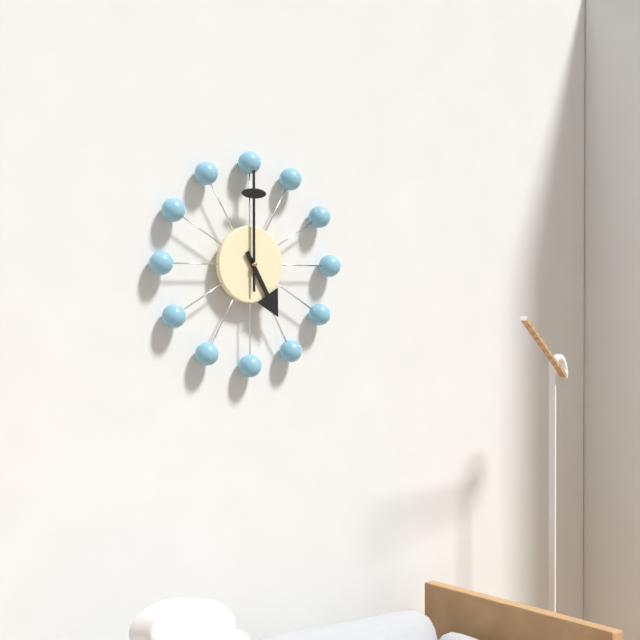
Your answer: **5:00**
